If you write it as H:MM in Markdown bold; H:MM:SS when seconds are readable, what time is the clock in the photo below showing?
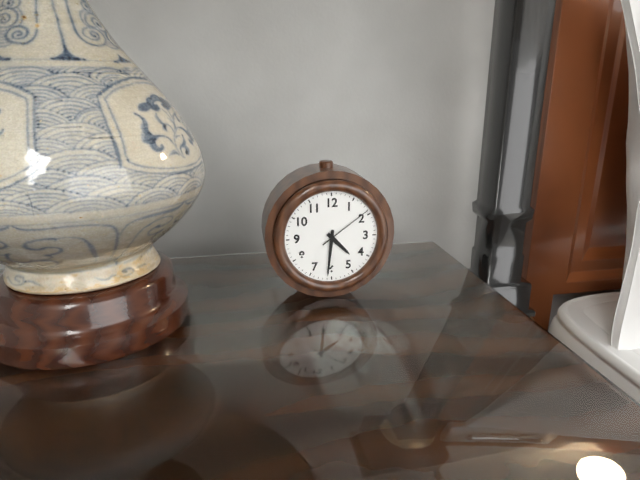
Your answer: **4:31:09**
